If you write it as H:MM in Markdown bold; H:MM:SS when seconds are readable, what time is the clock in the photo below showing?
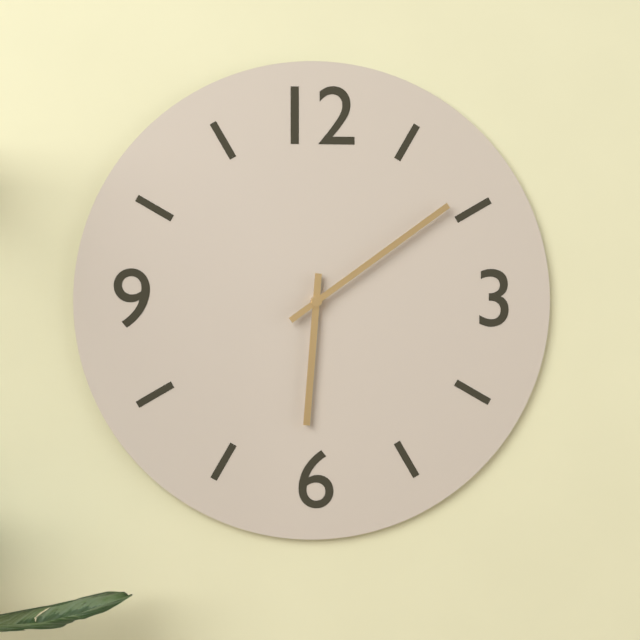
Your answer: **6:09**
